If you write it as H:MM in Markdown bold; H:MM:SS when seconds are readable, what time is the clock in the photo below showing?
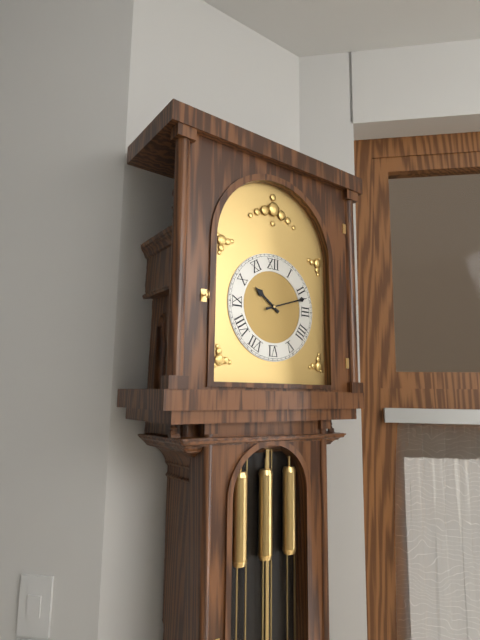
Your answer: **10:12**
